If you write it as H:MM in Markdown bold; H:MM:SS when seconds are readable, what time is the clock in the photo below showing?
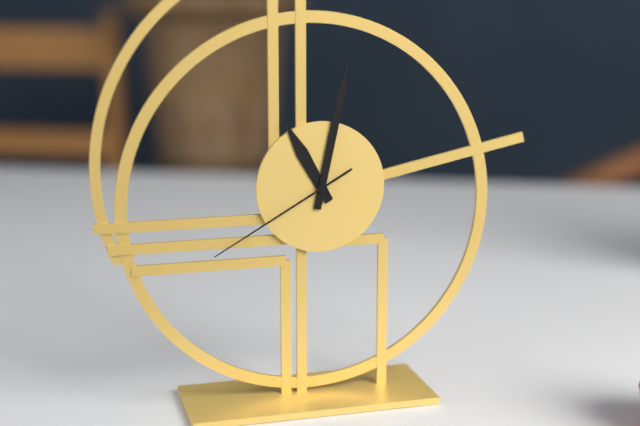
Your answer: **11:02:40**
